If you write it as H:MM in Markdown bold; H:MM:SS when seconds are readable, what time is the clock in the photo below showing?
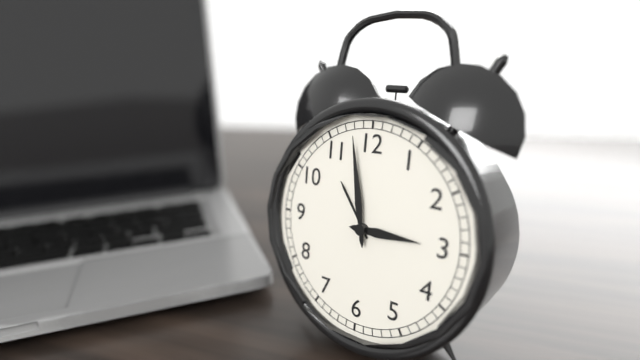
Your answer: **2:58**
